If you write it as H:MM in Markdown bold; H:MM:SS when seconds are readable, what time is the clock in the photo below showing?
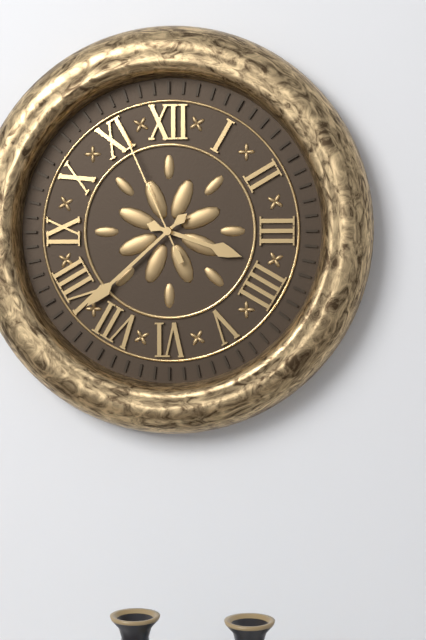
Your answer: **3:38:56**
